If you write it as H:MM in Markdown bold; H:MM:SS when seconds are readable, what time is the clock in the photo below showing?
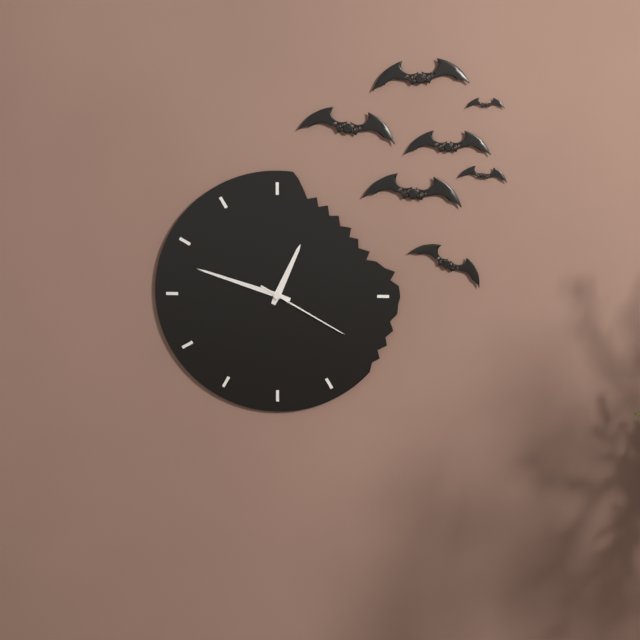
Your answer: **12:48:20**
